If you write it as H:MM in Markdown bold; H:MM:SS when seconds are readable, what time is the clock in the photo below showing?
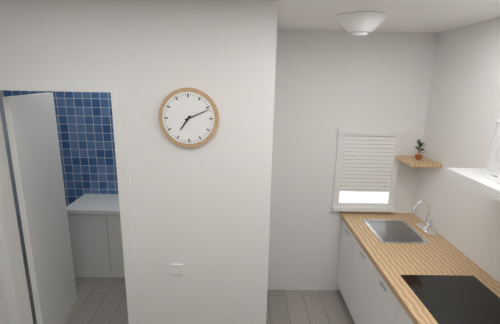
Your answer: **7:11**
